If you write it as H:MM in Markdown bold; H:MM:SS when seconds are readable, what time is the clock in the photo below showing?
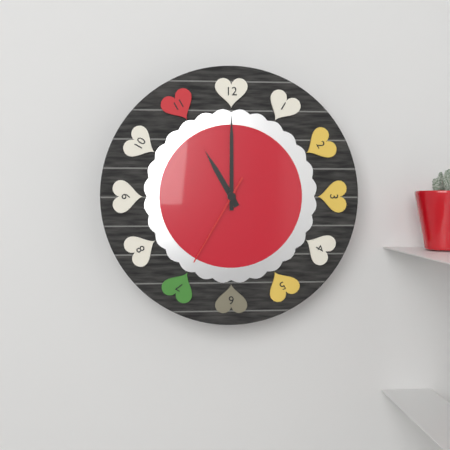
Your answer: **11:00:35**
